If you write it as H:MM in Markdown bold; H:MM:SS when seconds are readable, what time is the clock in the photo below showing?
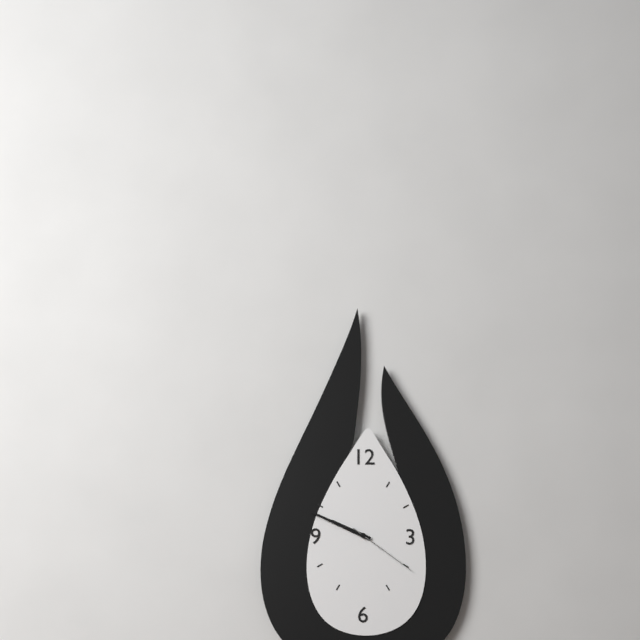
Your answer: **9:49:21**
